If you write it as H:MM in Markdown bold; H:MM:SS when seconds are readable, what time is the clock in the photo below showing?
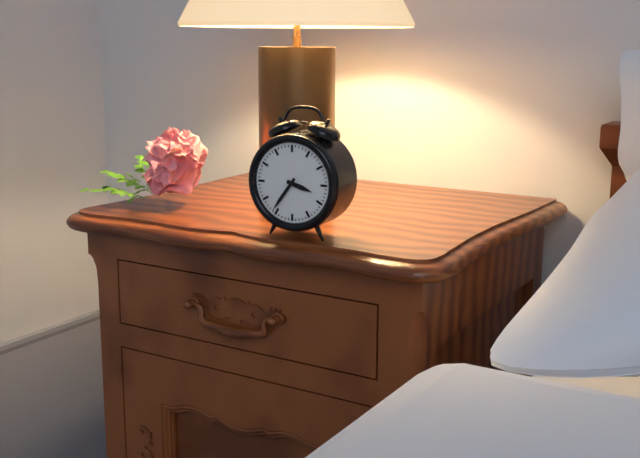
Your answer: **3:36**
